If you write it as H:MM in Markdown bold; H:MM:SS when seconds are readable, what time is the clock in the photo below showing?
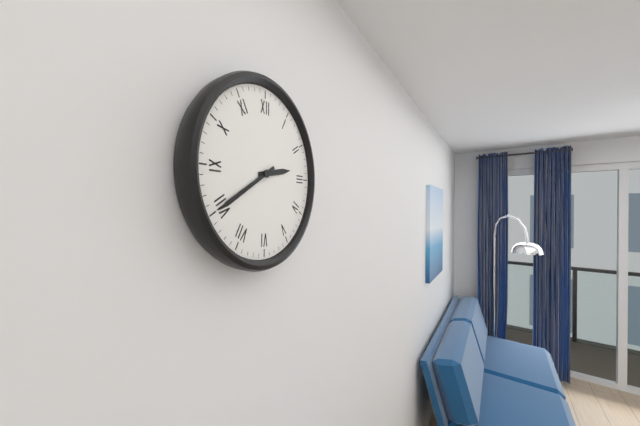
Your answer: **2:40**
